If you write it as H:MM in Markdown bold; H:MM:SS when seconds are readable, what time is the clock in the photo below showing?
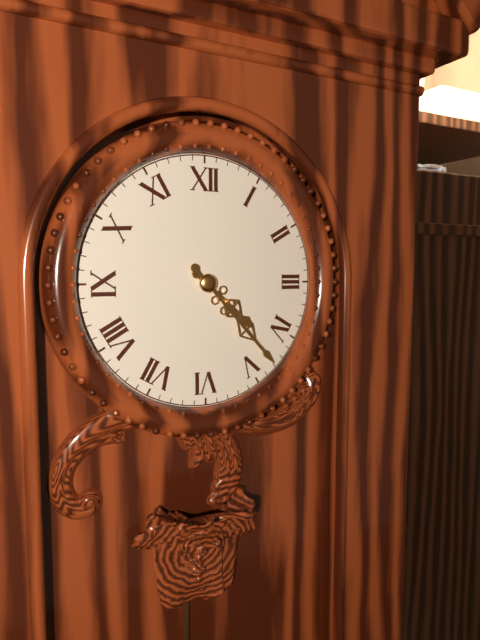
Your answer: **4:23**
